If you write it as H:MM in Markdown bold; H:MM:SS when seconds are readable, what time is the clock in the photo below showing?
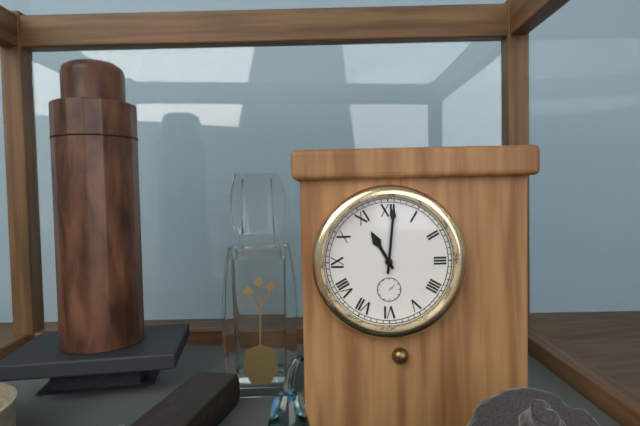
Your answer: **11:01**
